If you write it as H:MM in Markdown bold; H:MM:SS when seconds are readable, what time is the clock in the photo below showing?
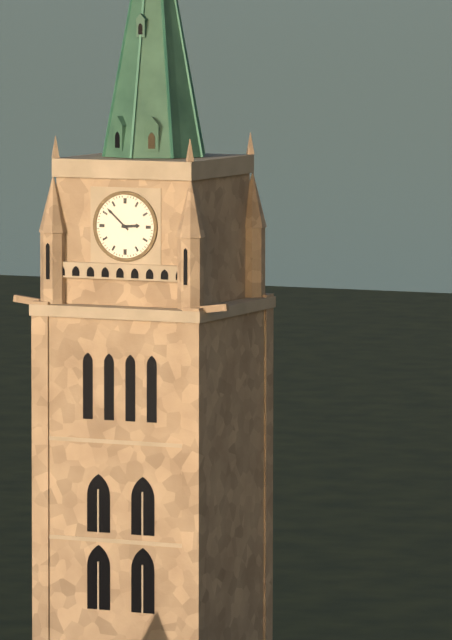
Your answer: **2:52**
